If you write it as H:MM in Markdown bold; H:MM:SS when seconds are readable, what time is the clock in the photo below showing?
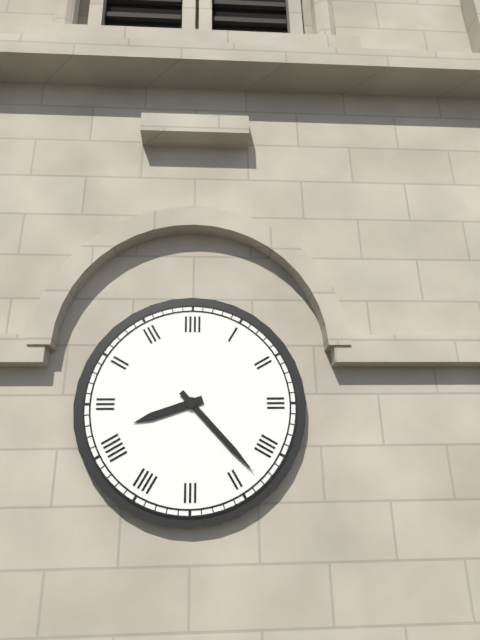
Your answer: **8:23**
